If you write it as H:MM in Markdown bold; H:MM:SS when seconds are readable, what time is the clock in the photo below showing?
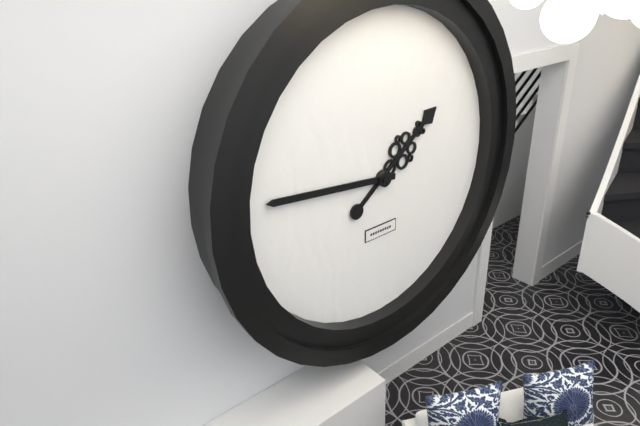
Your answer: **1:46**
